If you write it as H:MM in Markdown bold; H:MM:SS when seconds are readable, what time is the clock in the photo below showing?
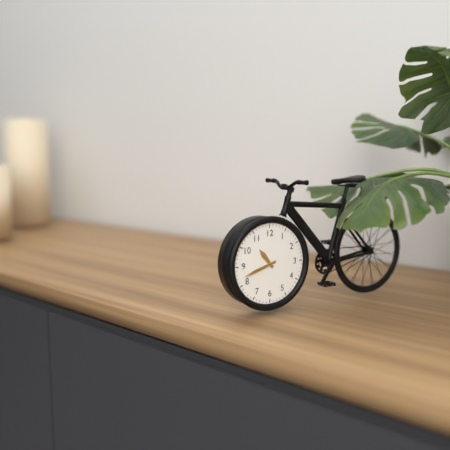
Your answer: **10:42**
